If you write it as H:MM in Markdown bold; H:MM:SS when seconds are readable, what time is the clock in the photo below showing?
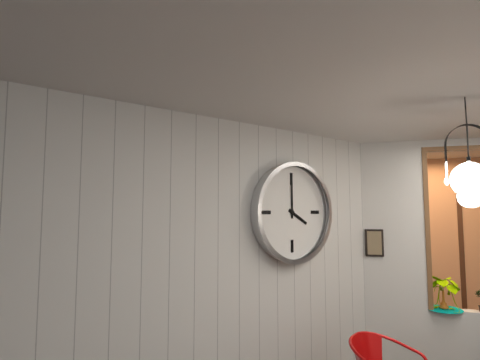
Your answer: **4:00**
